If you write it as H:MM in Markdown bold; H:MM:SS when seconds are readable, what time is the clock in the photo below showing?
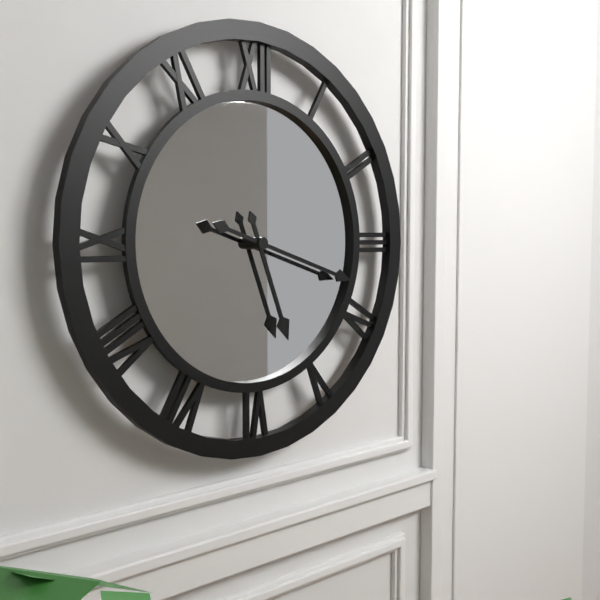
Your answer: **5:18**
